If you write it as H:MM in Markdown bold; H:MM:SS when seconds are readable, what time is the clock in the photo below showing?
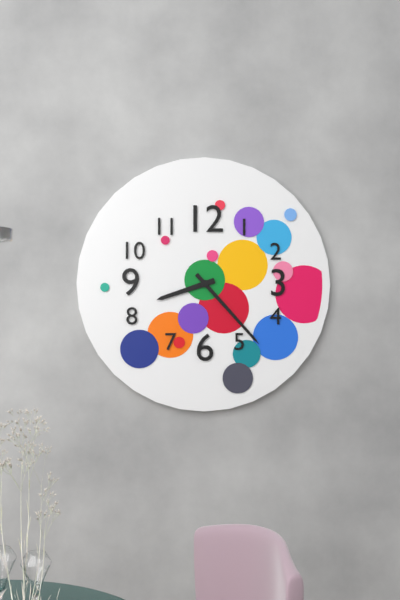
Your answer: **8:23**
